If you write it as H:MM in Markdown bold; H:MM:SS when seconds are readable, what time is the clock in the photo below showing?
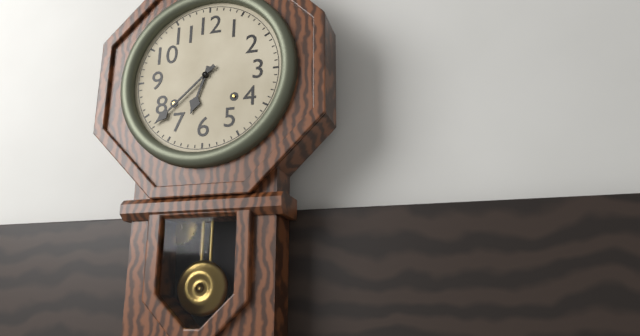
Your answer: **6:38**
